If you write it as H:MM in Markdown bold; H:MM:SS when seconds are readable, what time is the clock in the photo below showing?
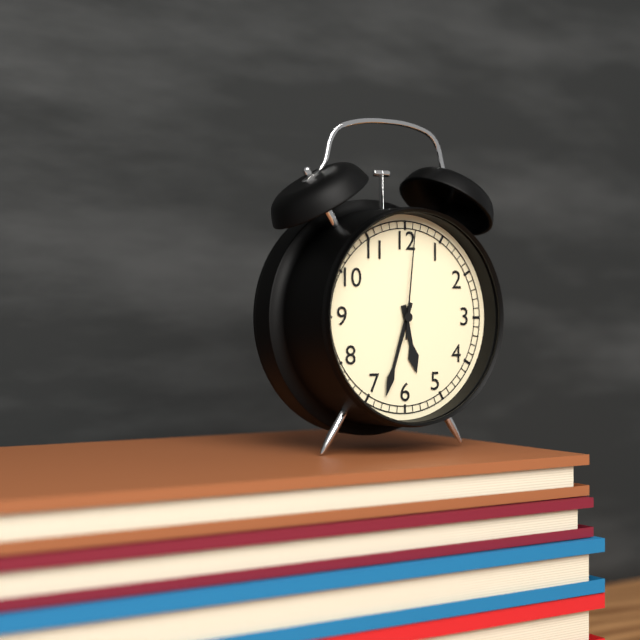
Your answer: **5:33:01**
